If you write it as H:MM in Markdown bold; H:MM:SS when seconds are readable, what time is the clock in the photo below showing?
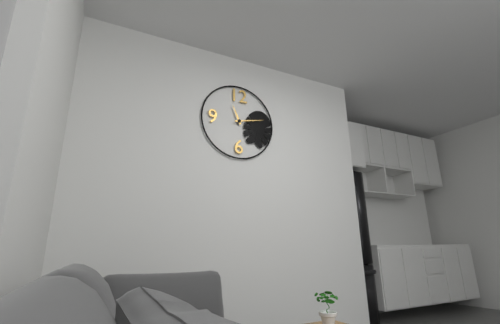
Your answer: **11:13**
